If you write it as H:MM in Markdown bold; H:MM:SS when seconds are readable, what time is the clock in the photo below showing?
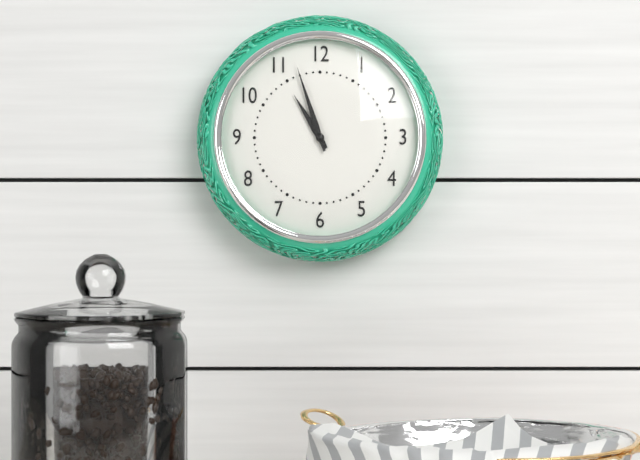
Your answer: **10:57**
